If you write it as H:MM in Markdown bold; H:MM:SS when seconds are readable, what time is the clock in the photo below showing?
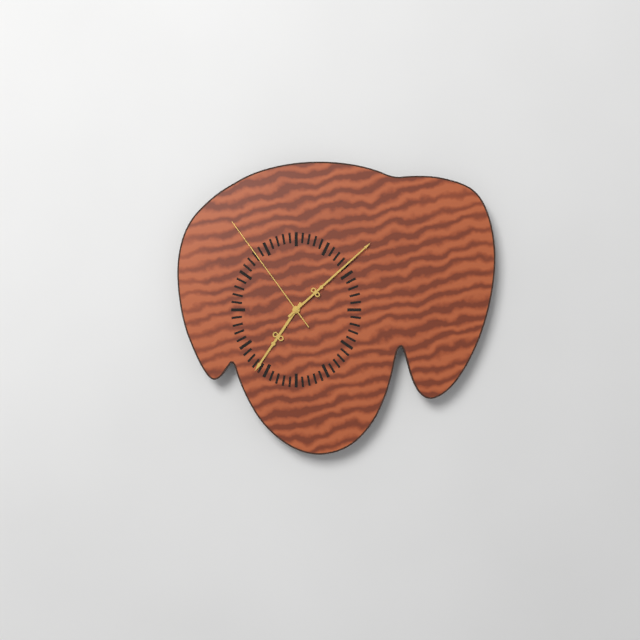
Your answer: **7:08:54**
